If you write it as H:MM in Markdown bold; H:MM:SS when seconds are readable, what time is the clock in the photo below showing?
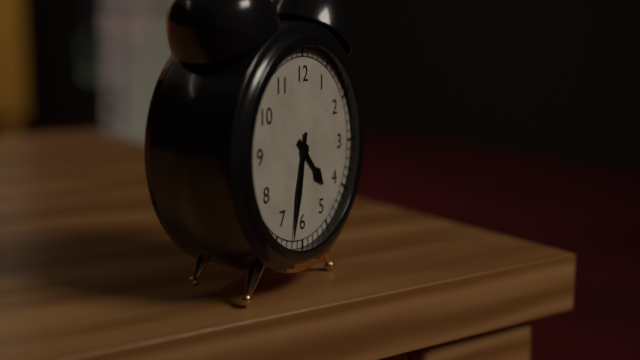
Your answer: **4:32**
